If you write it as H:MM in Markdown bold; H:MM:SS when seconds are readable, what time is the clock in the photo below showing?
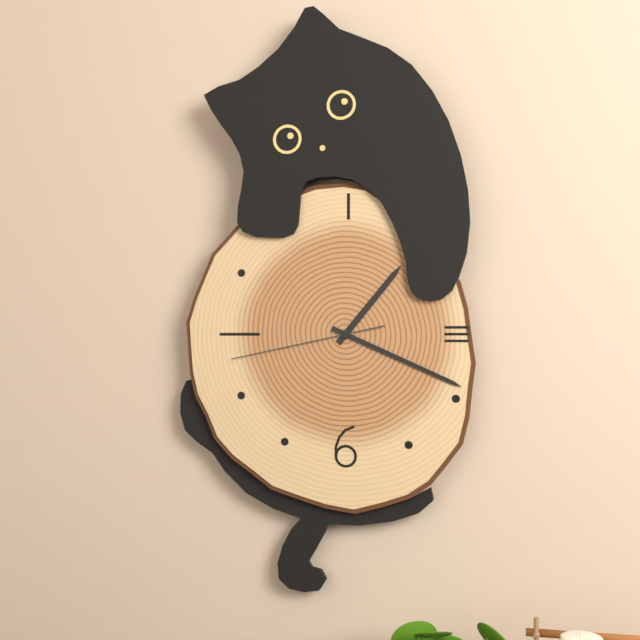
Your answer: **1:19:43**
